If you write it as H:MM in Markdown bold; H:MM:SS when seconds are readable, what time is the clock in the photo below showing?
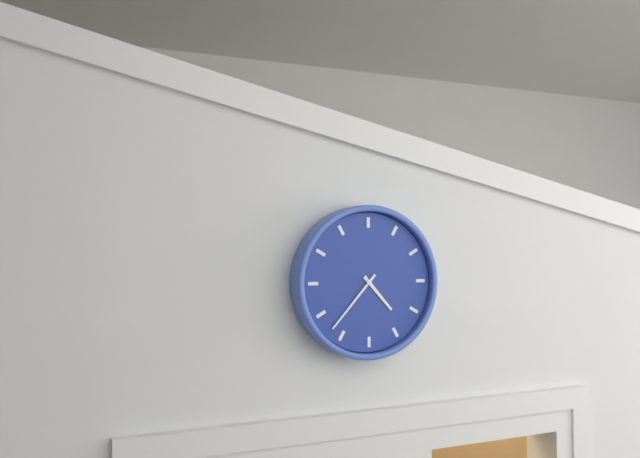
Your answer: **4:37**
